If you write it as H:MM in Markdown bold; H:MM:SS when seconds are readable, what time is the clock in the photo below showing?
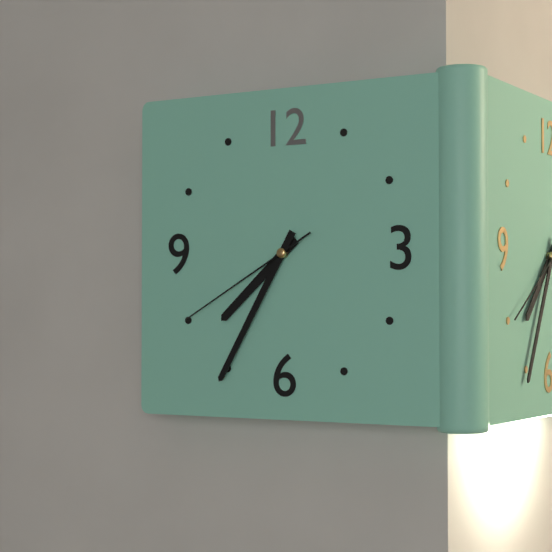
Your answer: **7:35:40**
